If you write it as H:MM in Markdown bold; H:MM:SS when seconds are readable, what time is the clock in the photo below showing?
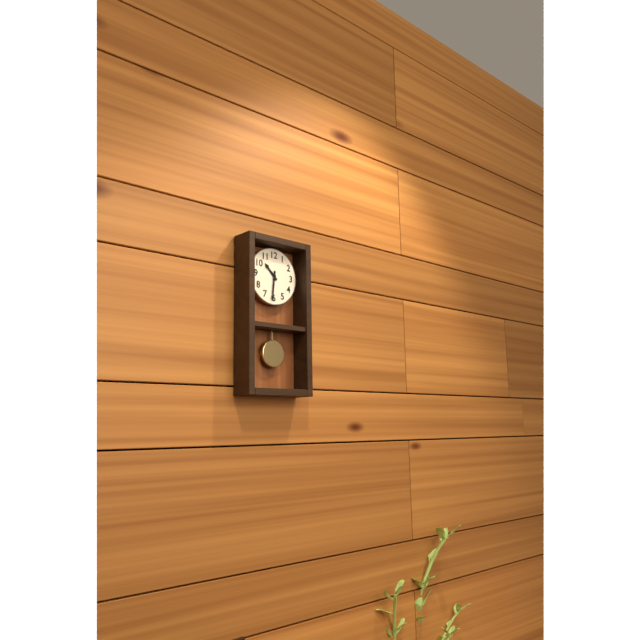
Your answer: **10:31**
